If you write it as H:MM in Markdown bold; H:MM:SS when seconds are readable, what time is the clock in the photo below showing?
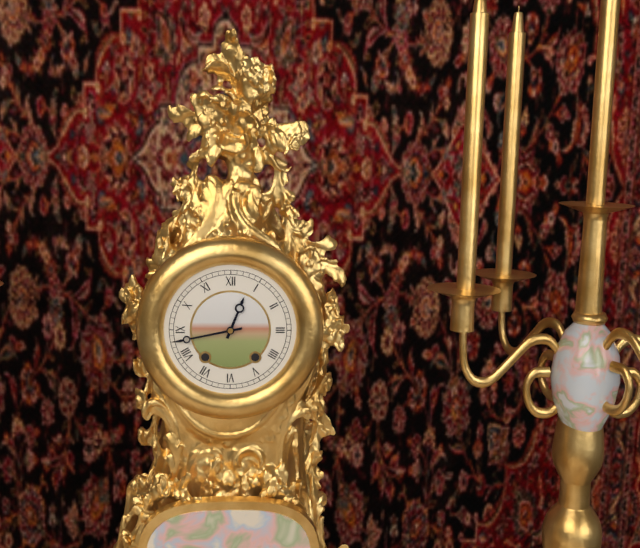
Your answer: **12:43**
